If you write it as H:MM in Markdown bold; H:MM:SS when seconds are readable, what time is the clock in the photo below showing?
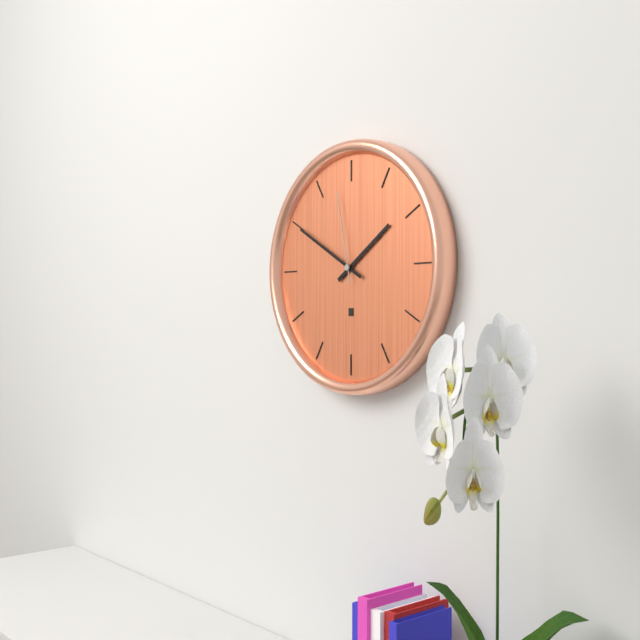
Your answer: **1:50:58**
